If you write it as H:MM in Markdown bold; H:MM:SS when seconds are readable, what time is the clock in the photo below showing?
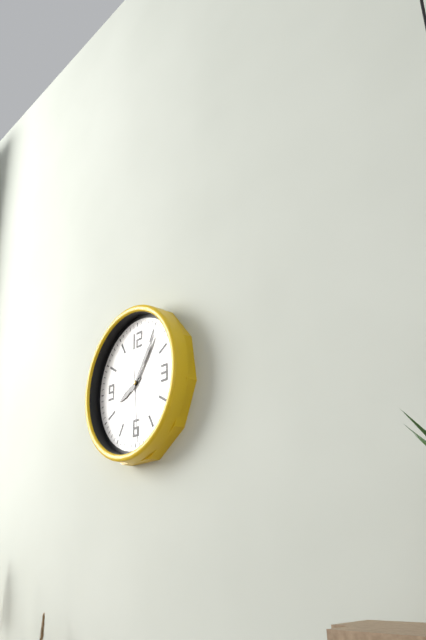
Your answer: **8:06:29**
